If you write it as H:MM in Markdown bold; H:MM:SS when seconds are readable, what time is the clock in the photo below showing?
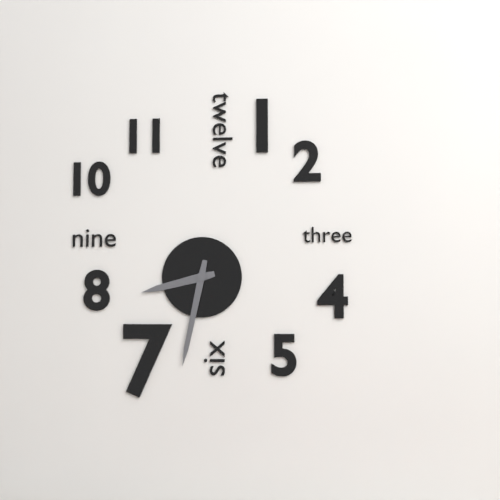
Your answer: **8:32**
